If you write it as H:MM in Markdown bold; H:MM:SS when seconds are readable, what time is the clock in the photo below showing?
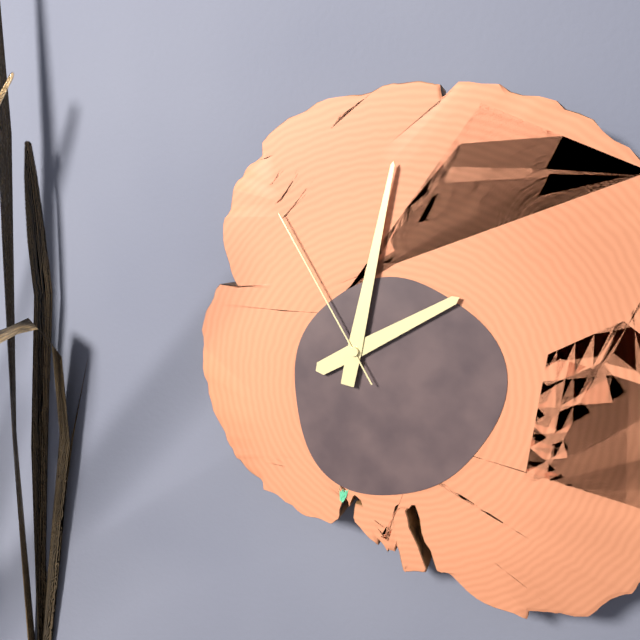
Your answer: **2:02:55**
